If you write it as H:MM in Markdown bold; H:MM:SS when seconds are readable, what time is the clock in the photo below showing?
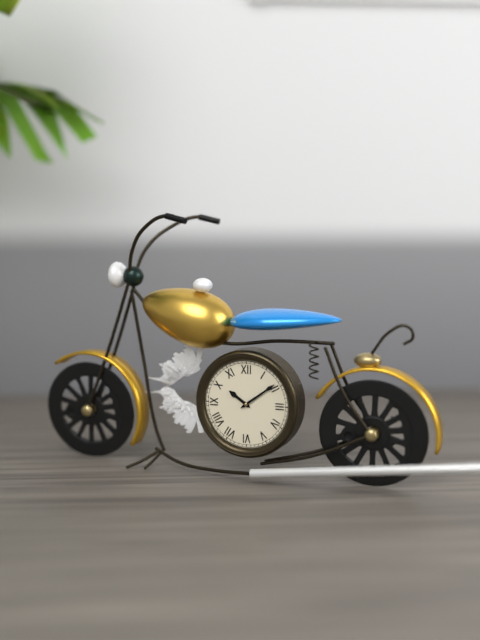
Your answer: **10:09**
